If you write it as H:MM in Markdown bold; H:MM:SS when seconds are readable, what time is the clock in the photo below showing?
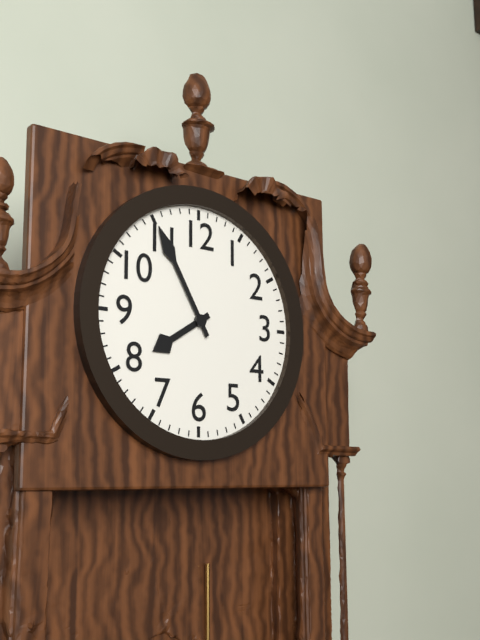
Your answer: **7:55**
